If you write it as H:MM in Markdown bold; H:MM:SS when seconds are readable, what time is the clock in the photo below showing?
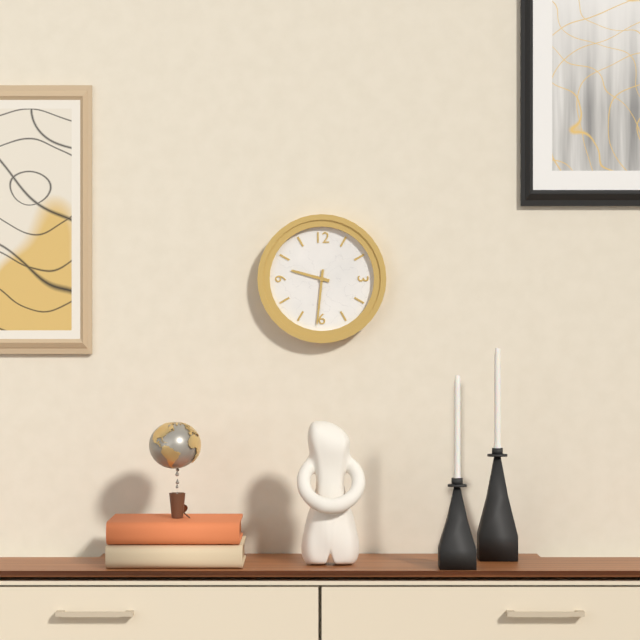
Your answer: **9:31**
